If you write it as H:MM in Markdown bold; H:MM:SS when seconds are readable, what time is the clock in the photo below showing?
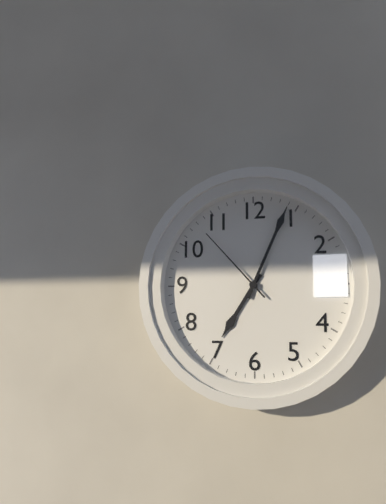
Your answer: **7:04:53**
